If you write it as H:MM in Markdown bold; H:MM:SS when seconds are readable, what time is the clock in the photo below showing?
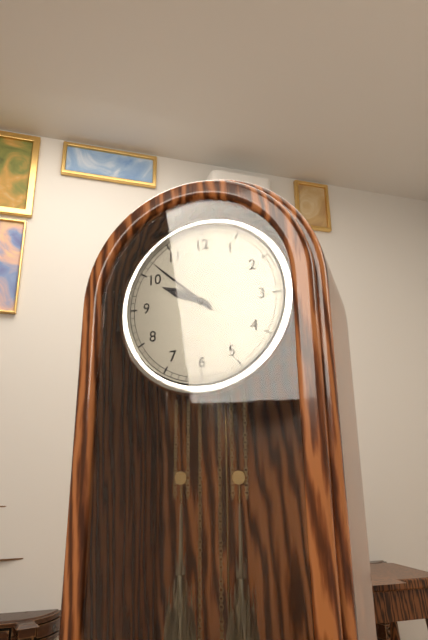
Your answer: **9:52**
